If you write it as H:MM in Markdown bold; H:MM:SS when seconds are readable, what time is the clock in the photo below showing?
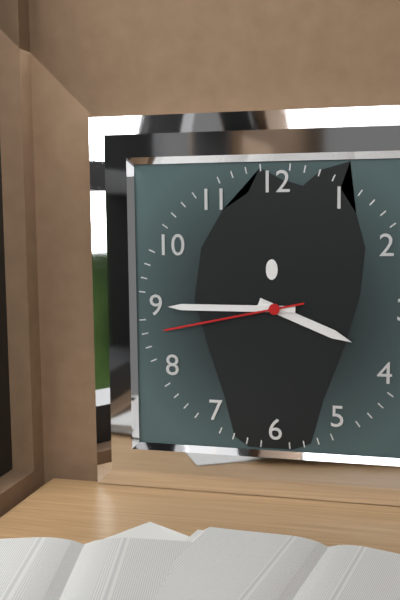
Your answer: **3:45:43**
